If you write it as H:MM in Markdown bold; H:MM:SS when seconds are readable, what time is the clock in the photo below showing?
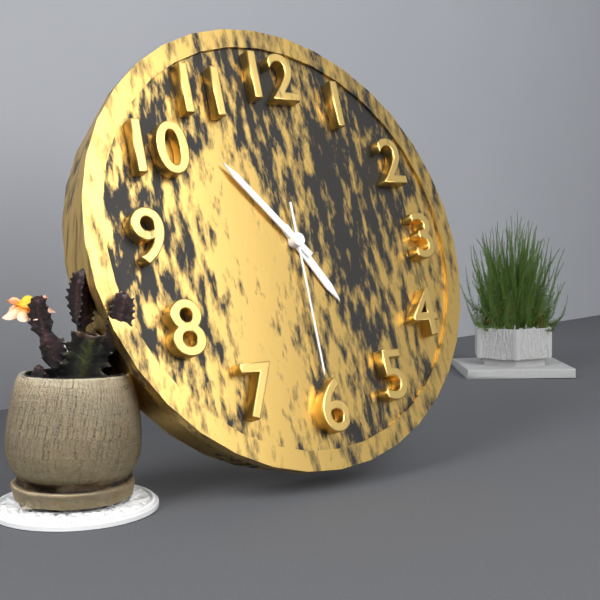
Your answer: **4:53:30**
